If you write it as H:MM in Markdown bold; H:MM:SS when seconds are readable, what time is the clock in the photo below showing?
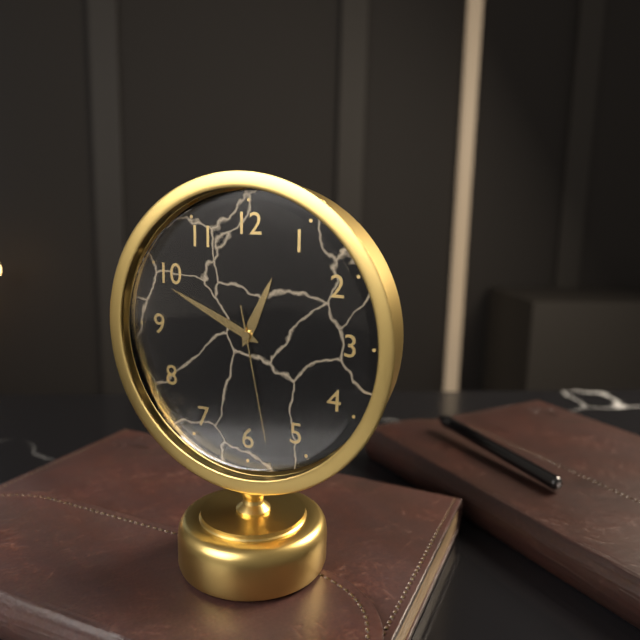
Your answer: **12:49:28**
